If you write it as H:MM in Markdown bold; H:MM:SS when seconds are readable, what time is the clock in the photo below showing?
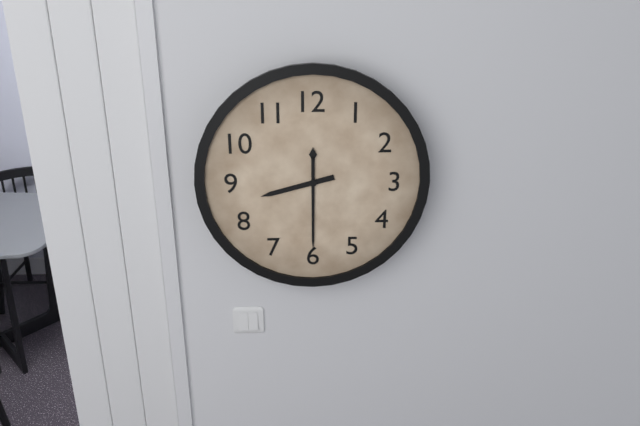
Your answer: **8:30**
